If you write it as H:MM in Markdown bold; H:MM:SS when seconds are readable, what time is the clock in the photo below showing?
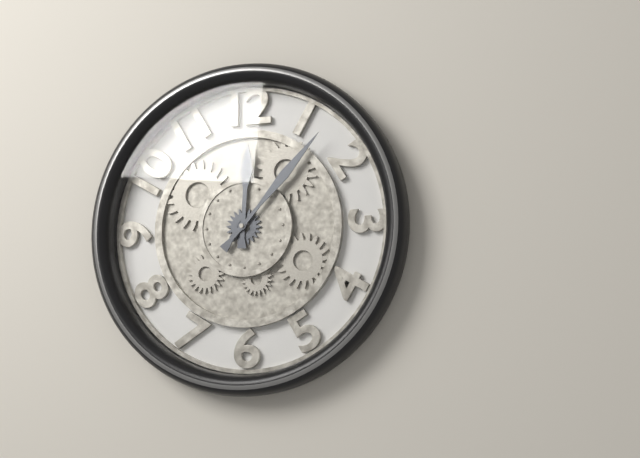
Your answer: **12:07**
